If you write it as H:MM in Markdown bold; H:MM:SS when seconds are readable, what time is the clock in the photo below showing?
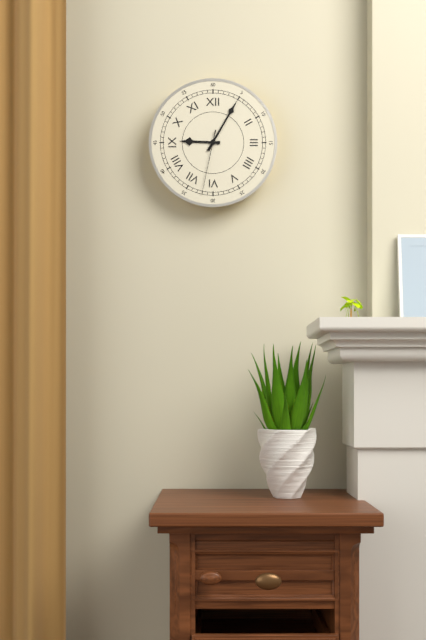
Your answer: **9:05:32**
